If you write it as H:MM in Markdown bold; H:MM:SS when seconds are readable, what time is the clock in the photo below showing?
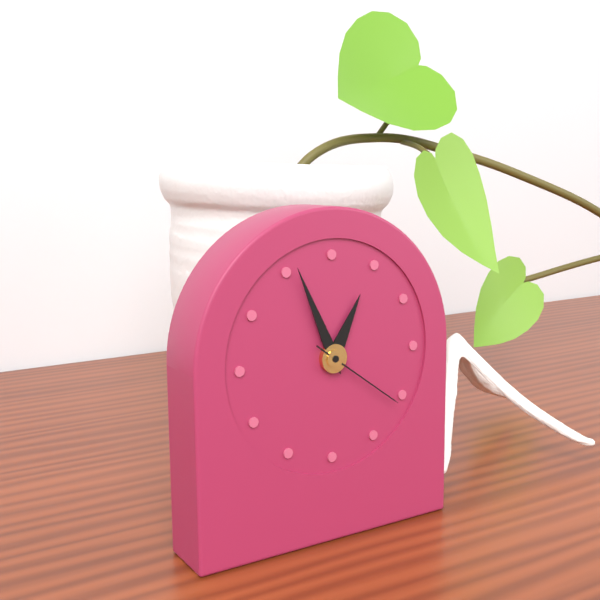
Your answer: **12:56:21**
